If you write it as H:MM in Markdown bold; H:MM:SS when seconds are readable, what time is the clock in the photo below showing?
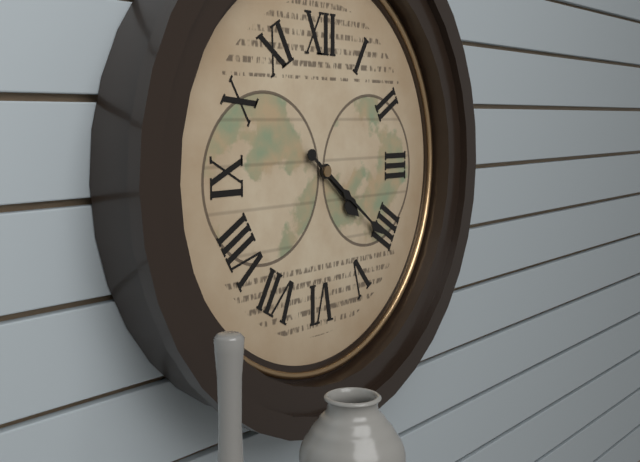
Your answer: **4:21**
